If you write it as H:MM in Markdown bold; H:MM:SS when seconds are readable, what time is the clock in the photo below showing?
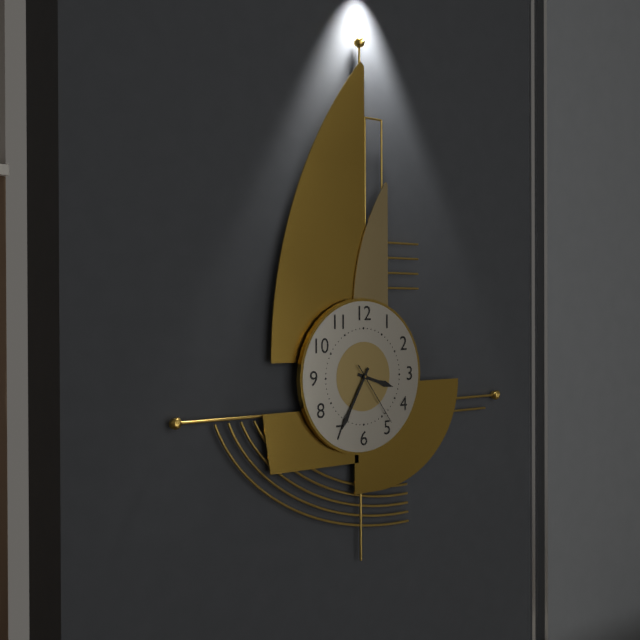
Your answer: **3:35:24**
